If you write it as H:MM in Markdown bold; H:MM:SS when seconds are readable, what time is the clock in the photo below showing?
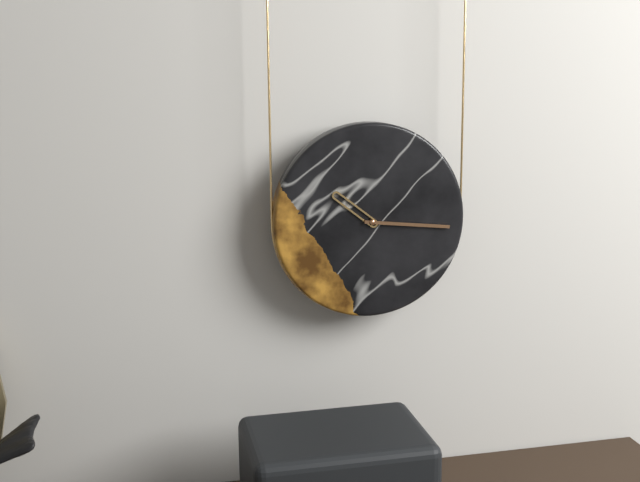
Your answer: **10:16**
